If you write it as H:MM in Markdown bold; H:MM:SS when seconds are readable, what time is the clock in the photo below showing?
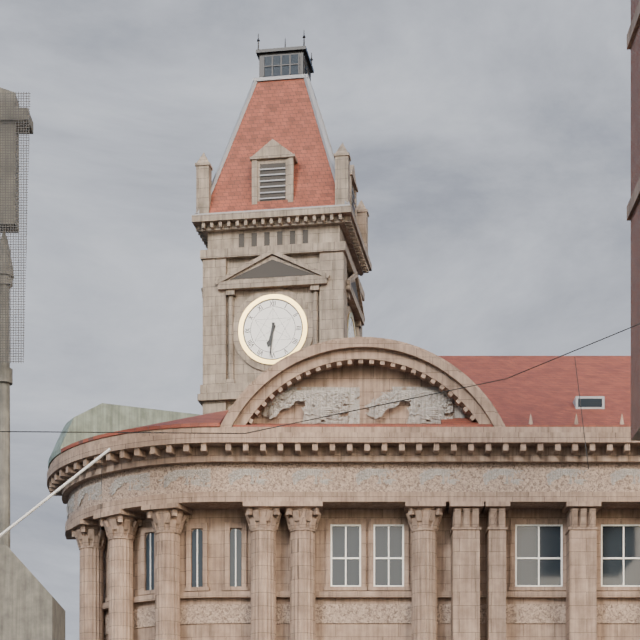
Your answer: **6:31**
